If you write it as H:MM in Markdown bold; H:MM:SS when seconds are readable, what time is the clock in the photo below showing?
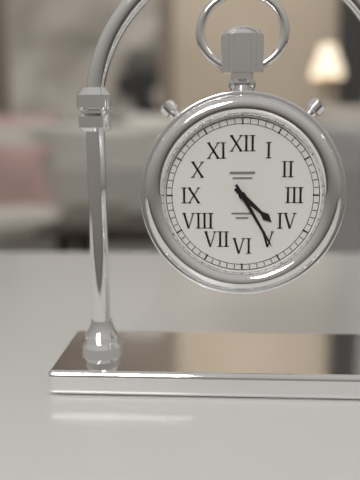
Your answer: **4:25**
